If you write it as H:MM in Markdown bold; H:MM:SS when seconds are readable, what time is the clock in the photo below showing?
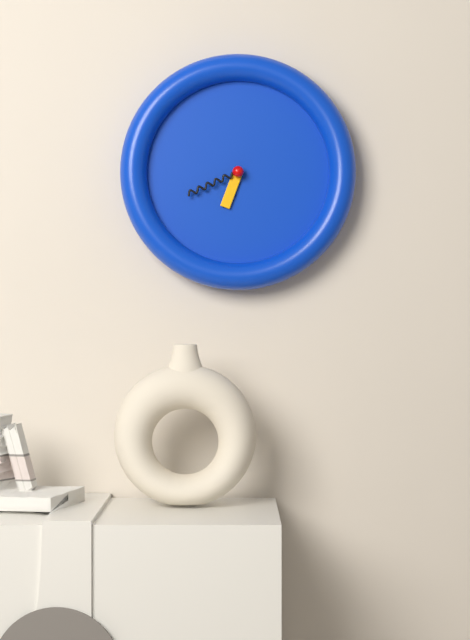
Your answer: **6:41**
